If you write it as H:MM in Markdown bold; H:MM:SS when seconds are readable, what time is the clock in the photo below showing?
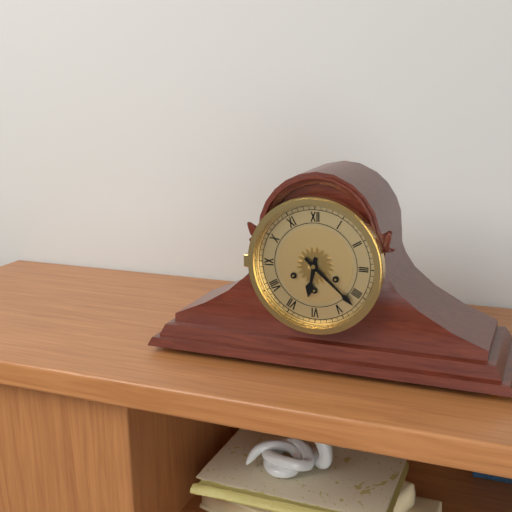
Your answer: **6:22**
